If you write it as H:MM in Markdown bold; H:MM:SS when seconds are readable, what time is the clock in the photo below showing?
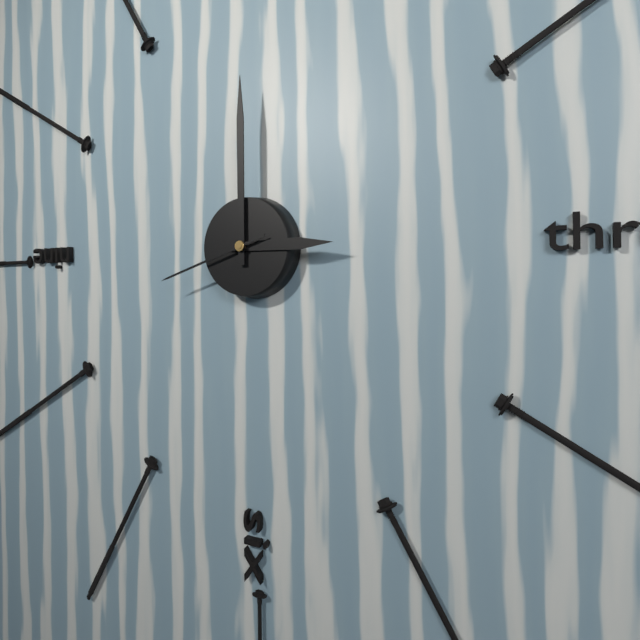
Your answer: **3:00:42**
